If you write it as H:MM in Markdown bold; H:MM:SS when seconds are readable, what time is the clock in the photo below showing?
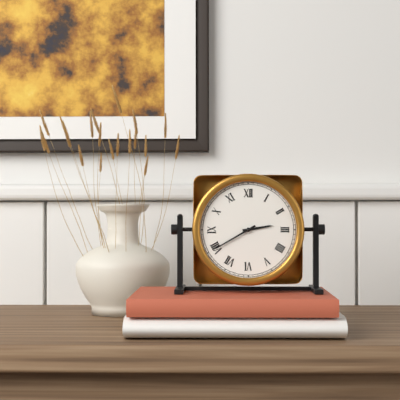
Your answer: **2:40**
